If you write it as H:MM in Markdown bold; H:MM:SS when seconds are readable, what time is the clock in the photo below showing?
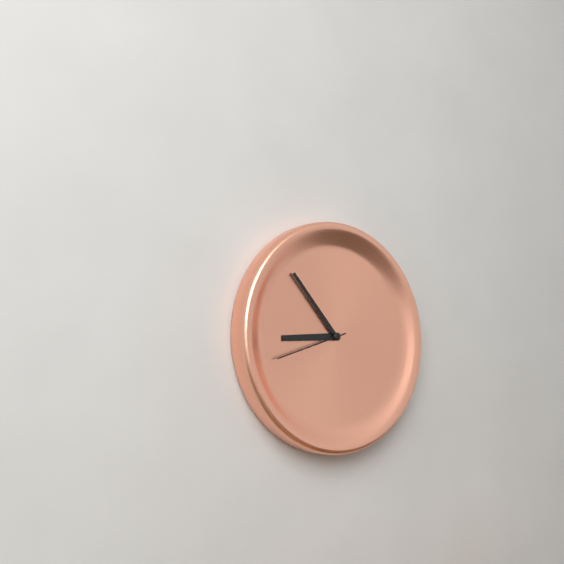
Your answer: **8:53:42**
